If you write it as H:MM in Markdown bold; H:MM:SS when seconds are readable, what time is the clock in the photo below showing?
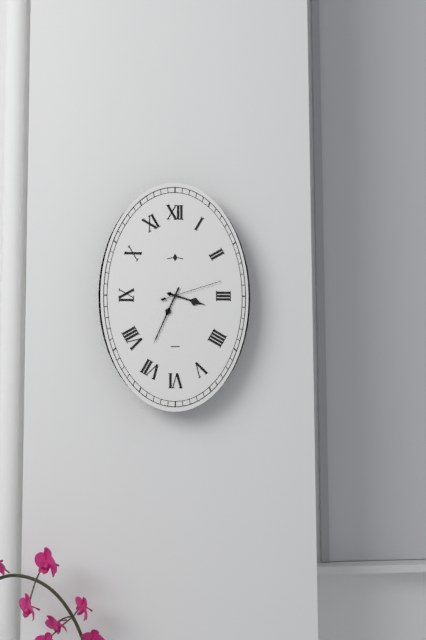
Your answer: **3:34:12**
